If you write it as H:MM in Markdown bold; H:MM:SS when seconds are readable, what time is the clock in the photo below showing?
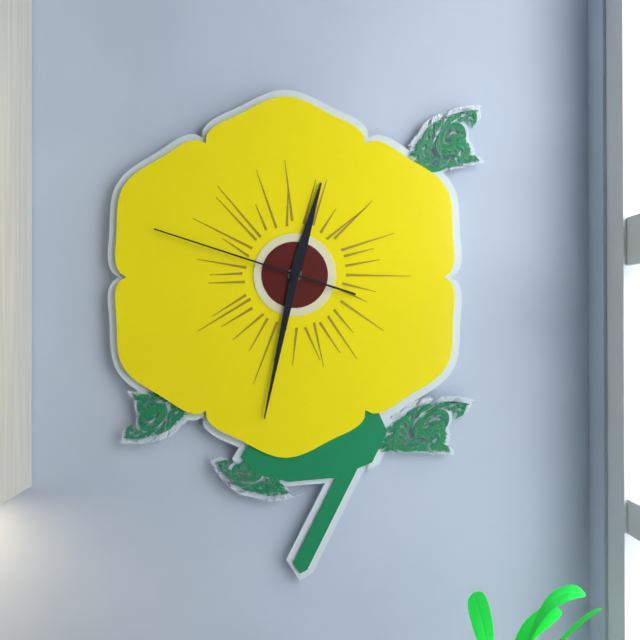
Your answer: **12:32:48**
